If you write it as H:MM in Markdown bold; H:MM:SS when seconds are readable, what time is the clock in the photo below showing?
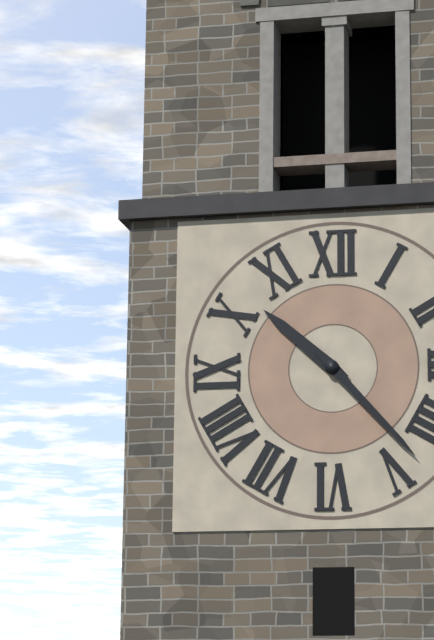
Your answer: **10:23**
